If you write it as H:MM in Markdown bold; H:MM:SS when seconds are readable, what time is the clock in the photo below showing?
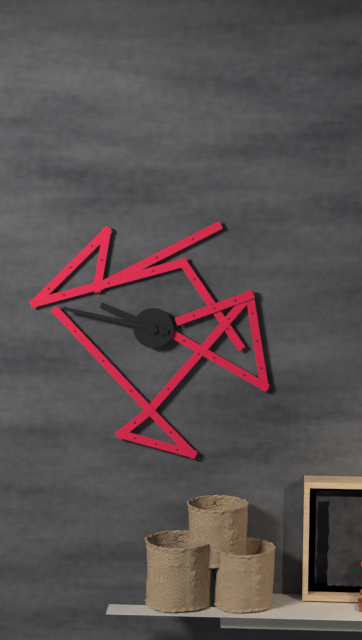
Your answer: **9:47**
